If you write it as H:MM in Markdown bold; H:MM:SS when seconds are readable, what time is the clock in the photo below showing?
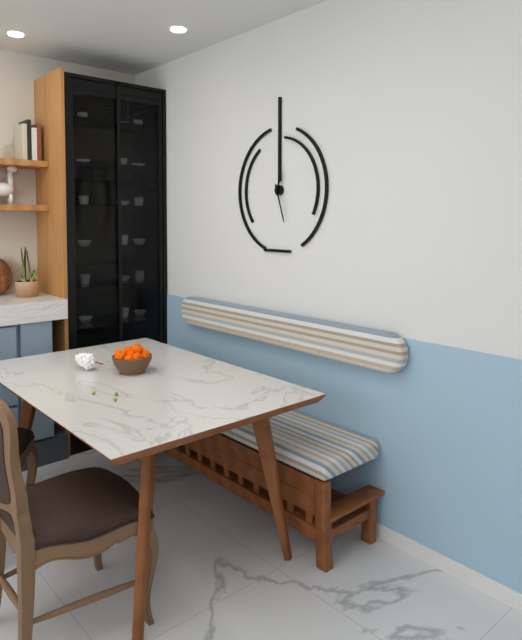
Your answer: **12:27**
